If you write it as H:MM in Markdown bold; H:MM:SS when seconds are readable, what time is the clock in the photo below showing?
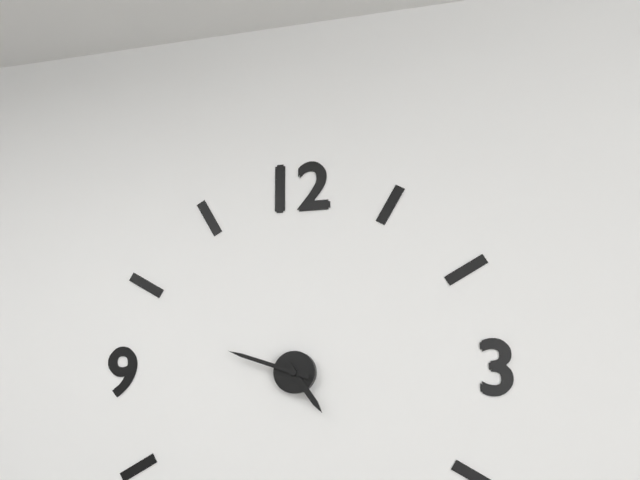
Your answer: **4:48**
